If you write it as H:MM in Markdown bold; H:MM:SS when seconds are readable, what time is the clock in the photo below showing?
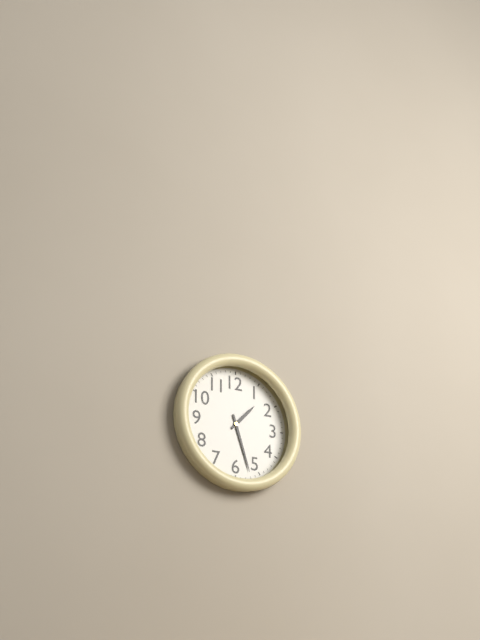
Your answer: **1:27**
